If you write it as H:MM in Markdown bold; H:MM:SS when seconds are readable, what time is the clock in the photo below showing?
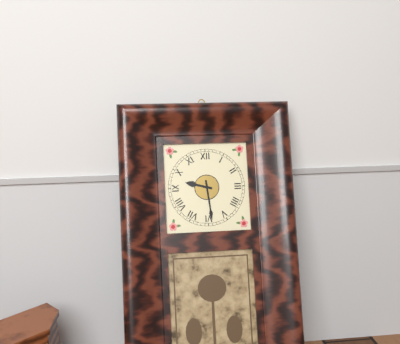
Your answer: **9:29**
